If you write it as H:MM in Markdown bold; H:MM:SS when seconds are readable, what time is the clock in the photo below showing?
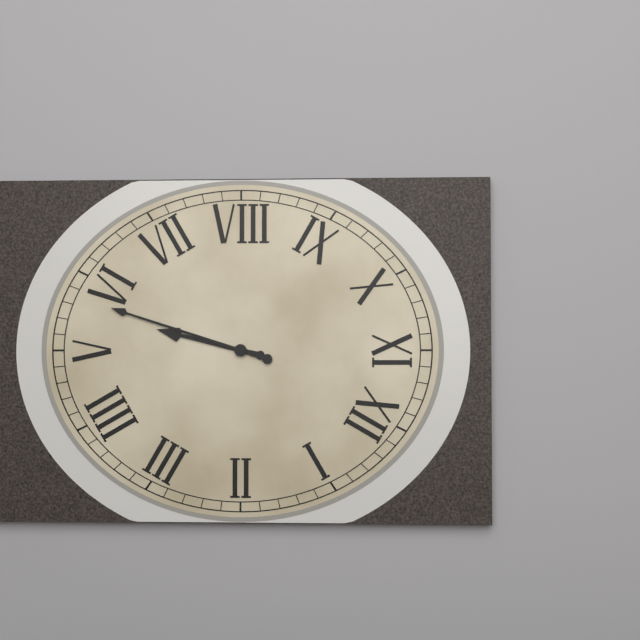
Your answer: **5:28**
